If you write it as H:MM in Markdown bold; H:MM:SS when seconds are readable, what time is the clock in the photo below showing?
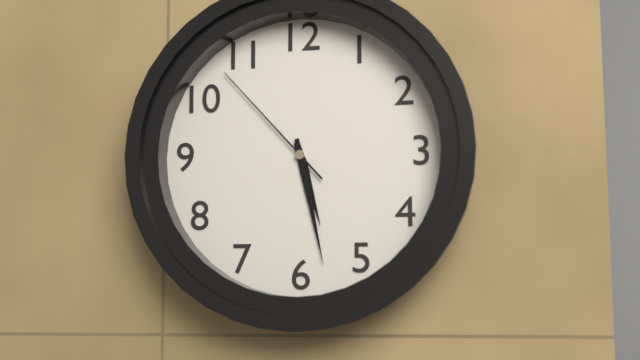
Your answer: **5:28:53**
